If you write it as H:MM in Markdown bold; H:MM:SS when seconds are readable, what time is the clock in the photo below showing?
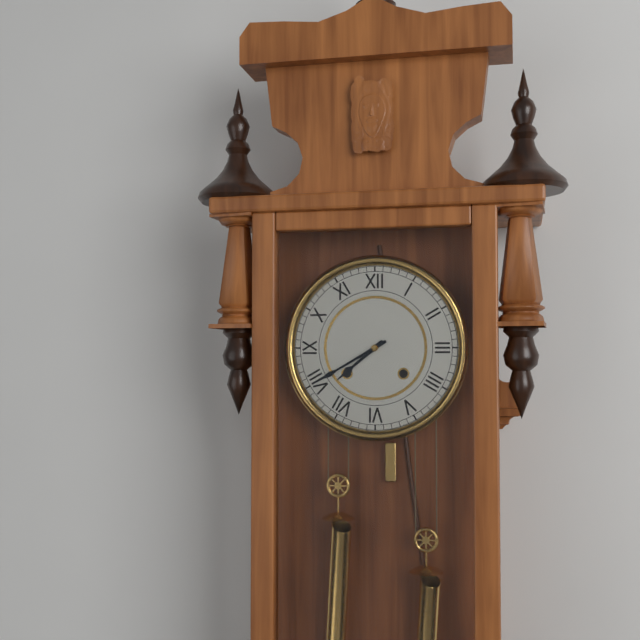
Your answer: **7:40**
